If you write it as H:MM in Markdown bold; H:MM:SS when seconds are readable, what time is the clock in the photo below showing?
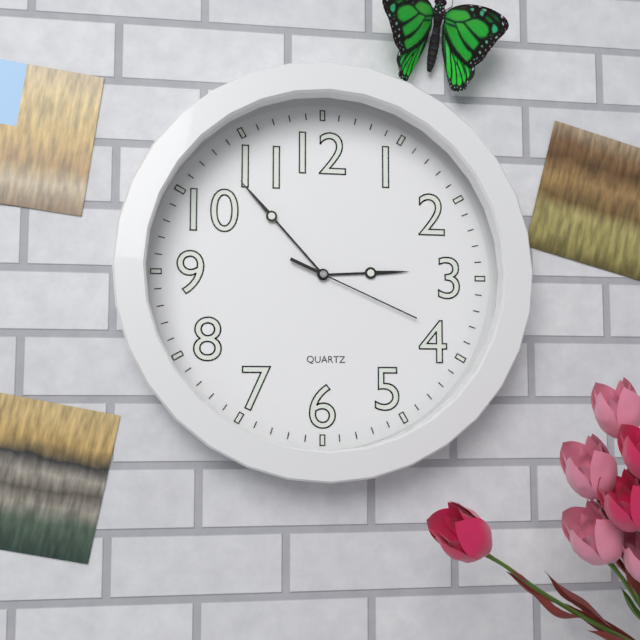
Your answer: **2:53:19**
